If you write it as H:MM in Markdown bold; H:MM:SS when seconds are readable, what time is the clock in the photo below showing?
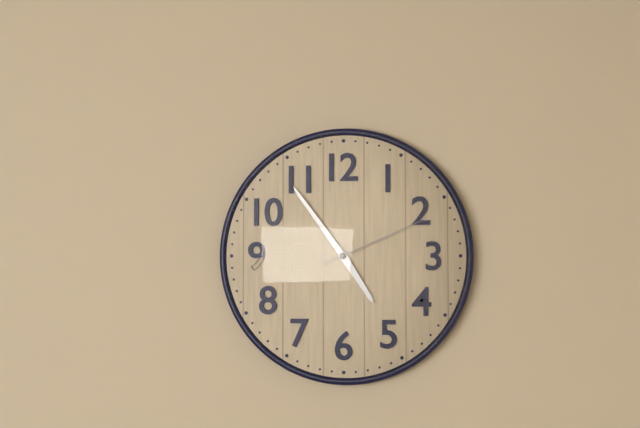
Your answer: **4:54:11**
